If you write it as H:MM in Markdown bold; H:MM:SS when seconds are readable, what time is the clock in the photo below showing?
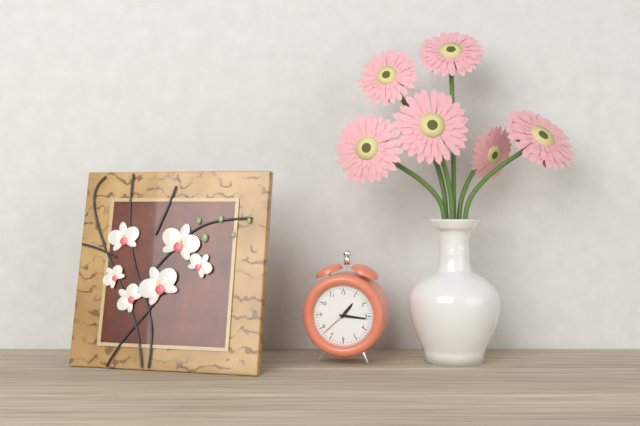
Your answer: **1:16**
